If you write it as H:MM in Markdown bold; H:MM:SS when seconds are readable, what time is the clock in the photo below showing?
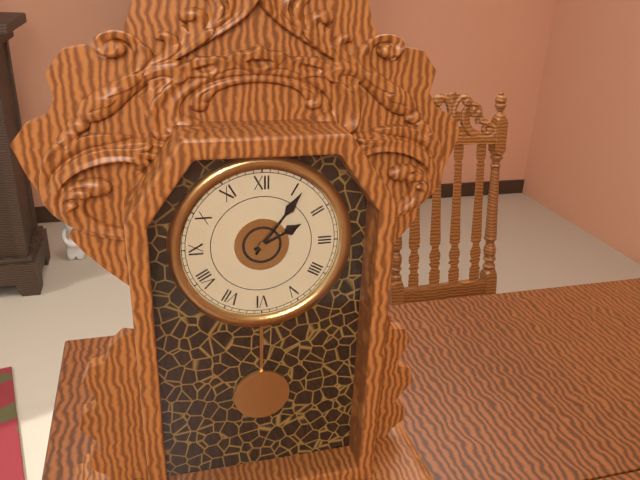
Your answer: **2:06**
